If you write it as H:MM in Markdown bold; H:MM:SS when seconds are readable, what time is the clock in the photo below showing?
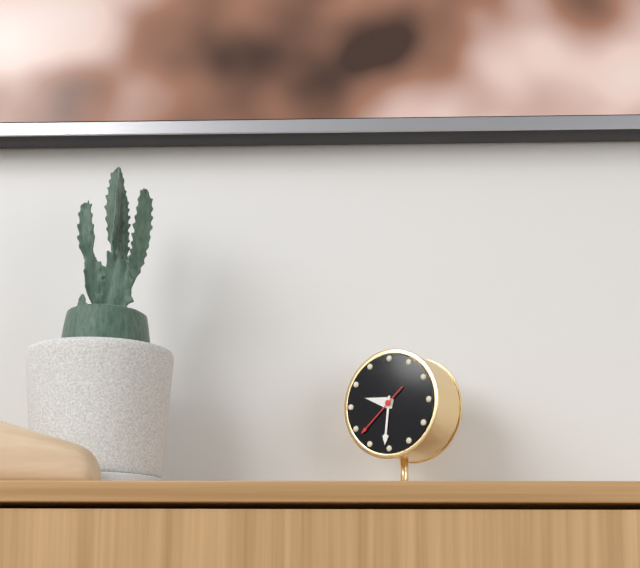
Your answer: **9:31:38**
